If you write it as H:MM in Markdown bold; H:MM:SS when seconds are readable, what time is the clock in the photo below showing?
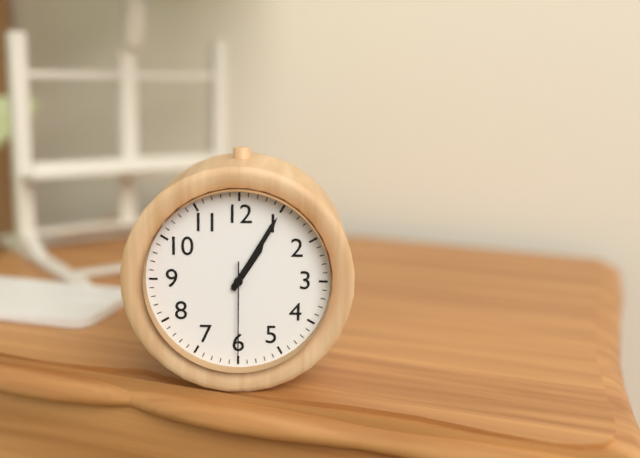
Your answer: **1:05:30**
